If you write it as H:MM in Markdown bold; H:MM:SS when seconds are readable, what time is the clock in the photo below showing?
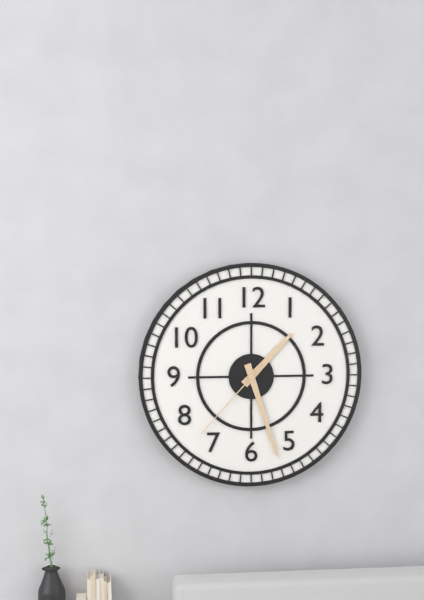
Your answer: **1:27:37**
